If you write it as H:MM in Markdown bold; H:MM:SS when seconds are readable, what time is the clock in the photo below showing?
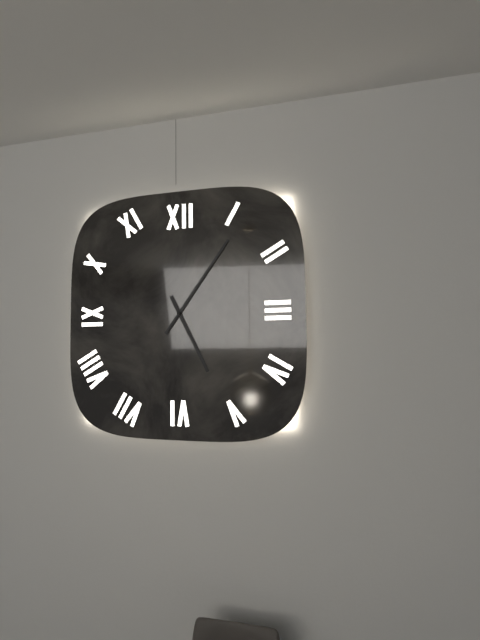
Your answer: **5:06**
